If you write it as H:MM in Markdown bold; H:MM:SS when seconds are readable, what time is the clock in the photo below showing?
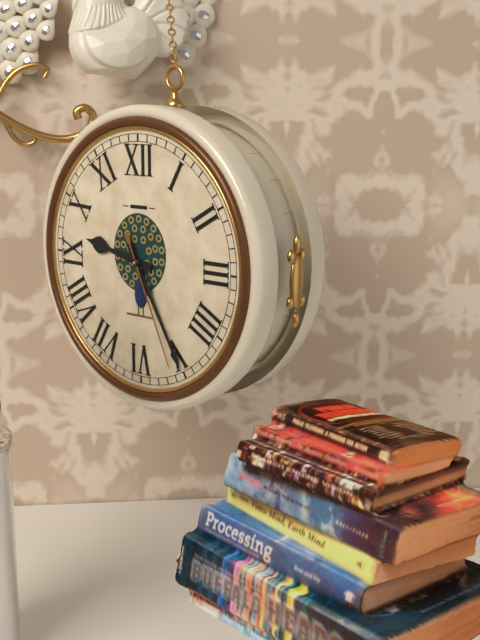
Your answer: **9:25:26**
